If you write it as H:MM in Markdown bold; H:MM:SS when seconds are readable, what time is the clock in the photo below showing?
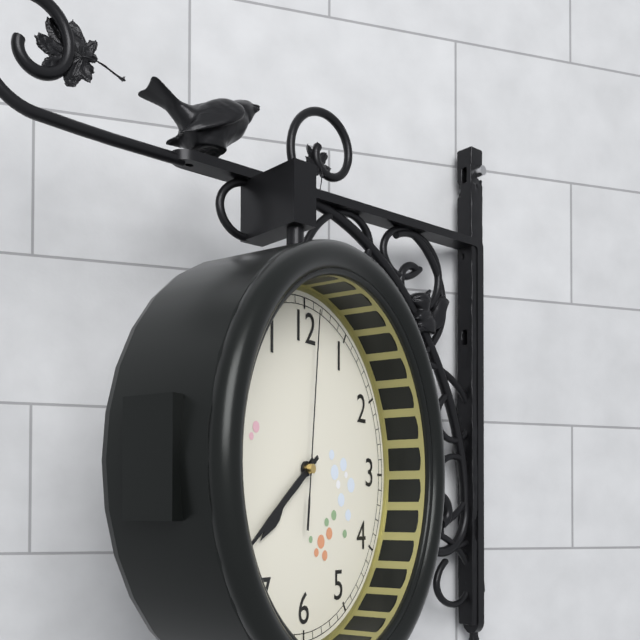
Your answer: **7:39:01**
